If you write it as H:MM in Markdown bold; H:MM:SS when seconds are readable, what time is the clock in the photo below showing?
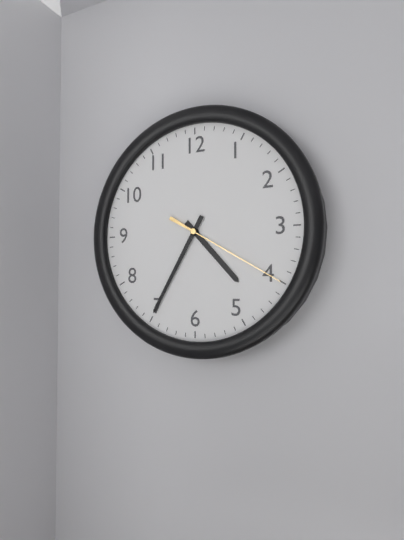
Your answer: **4:35:20**
